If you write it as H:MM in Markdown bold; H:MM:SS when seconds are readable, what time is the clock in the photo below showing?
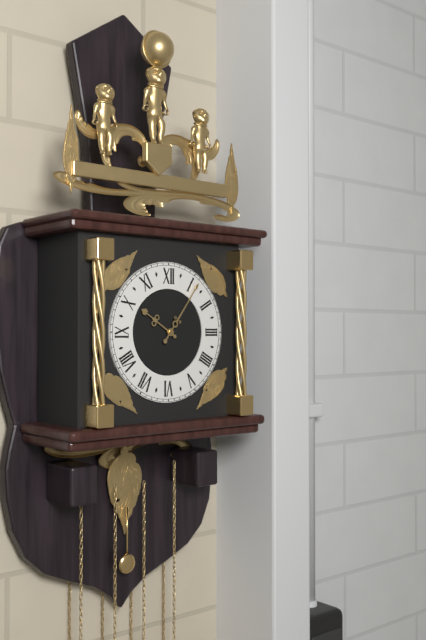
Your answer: **10:06**
